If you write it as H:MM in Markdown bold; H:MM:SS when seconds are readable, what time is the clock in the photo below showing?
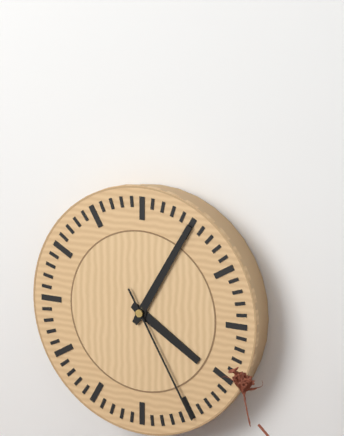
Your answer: **4:05:25**
